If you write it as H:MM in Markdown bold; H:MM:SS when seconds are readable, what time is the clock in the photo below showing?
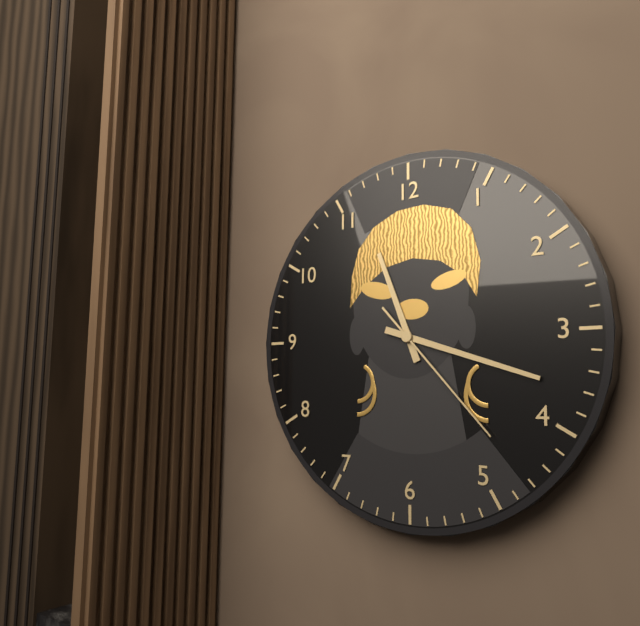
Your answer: **11:18:23**
